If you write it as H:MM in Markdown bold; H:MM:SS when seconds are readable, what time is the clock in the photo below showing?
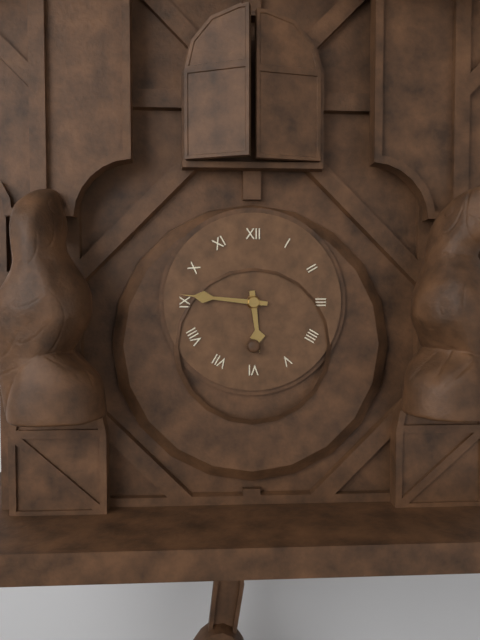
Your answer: **5:46**
